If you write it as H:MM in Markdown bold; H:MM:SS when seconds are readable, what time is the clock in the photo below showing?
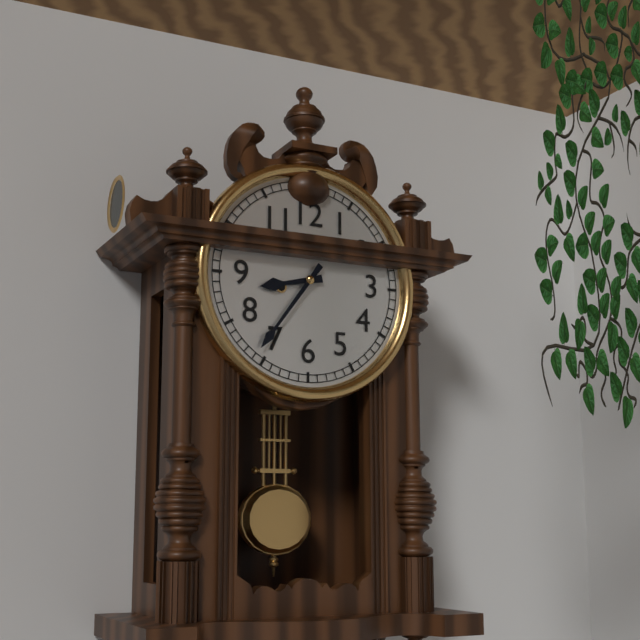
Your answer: **8:36**
